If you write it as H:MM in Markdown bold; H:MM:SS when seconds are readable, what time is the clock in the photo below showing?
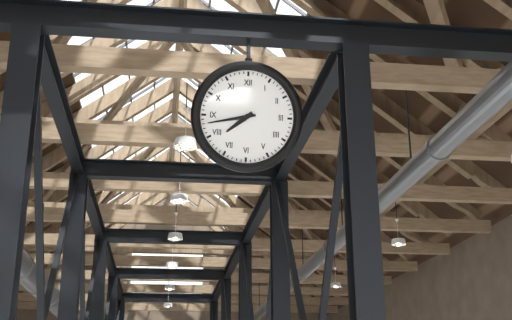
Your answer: **7:43**
